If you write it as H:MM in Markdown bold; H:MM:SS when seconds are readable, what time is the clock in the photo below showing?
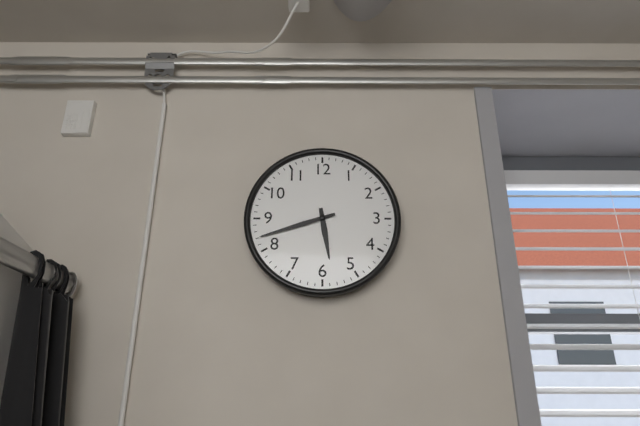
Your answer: **5:42**
